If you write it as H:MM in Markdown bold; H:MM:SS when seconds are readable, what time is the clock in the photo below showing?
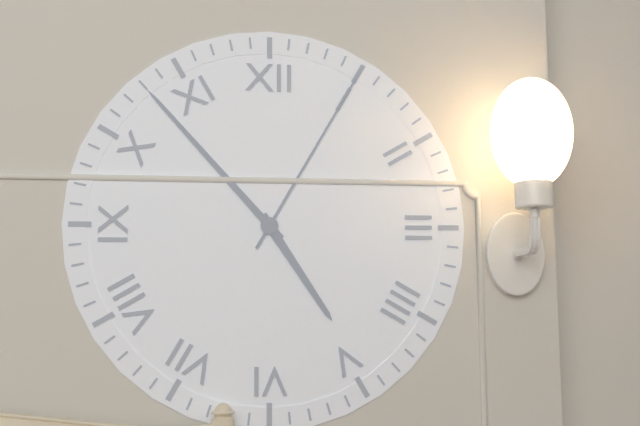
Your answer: **4:53:05**
